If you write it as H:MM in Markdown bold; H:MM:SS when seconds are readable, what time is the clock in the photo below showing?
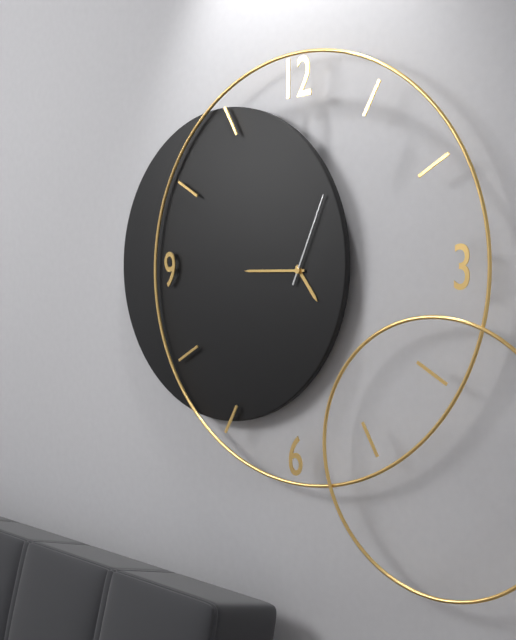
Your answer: **4:45:04**
